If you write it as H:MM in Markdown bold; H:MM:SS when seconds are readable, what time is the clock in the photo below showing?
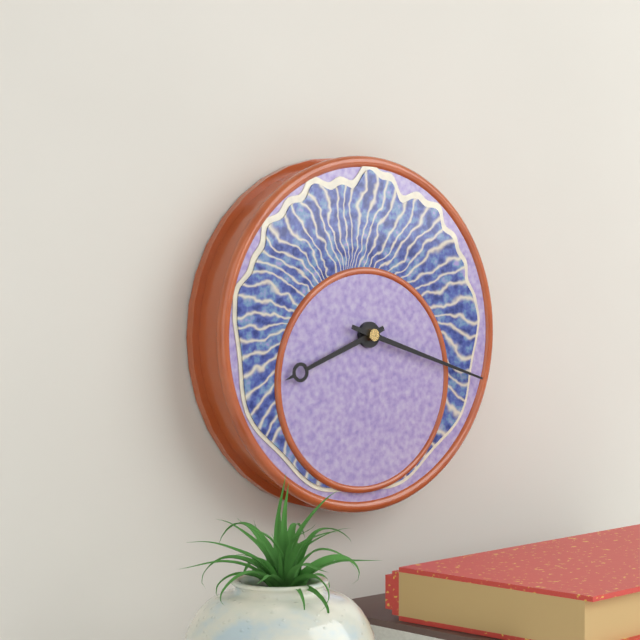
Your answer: **8:18**
